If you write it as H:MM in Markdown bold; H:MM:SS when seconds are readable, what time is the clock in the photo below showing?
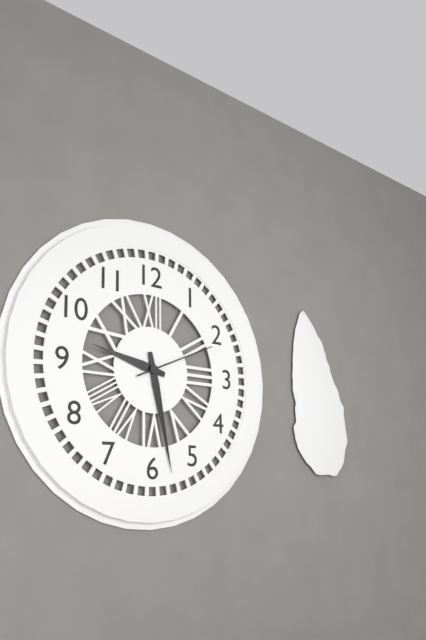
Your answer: **9:28:11**
